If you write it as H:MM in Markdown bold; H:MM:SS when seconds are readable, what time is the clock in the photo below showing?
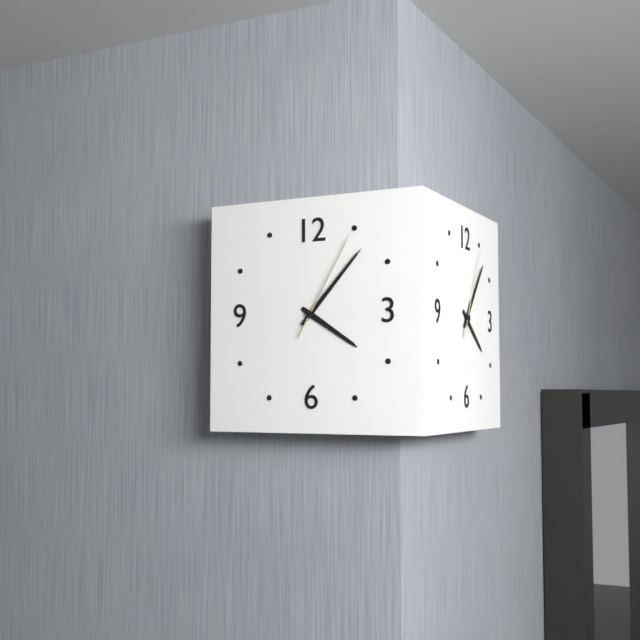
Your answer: **4:07:05**
